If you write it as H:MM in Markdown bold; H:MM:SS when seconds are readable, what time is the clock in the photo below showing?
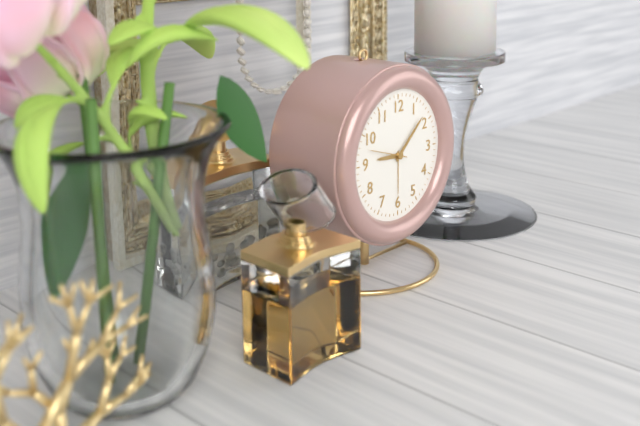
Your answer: **9:08**
